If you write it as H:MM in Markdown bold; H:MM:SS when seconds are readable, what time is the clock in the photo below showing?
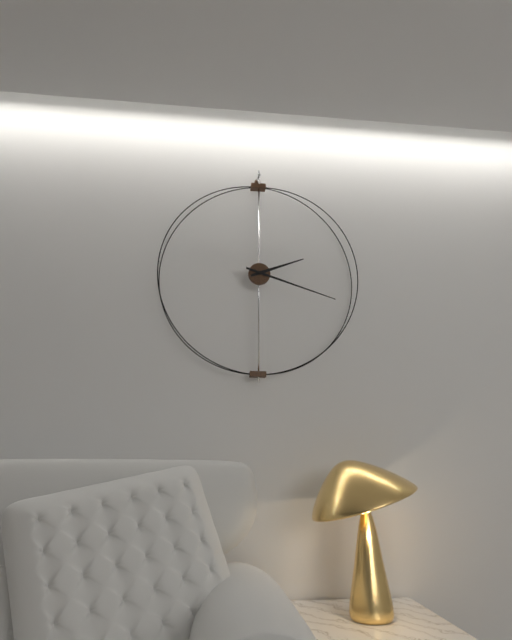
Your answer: **2:18**
